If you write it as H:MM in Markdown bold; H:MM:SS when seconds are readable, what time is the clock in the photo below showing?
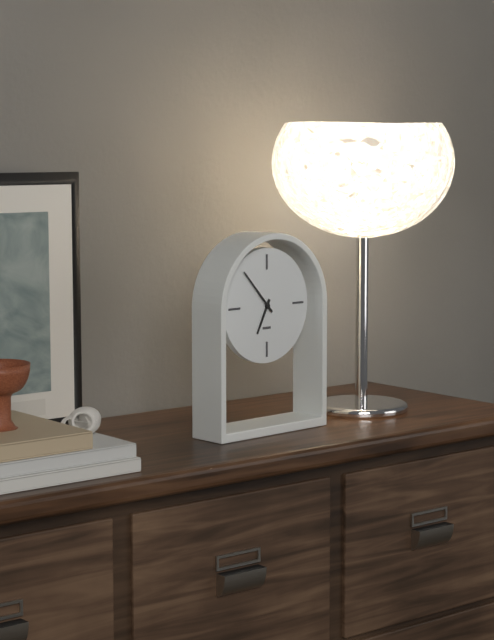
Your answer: **6:53**
